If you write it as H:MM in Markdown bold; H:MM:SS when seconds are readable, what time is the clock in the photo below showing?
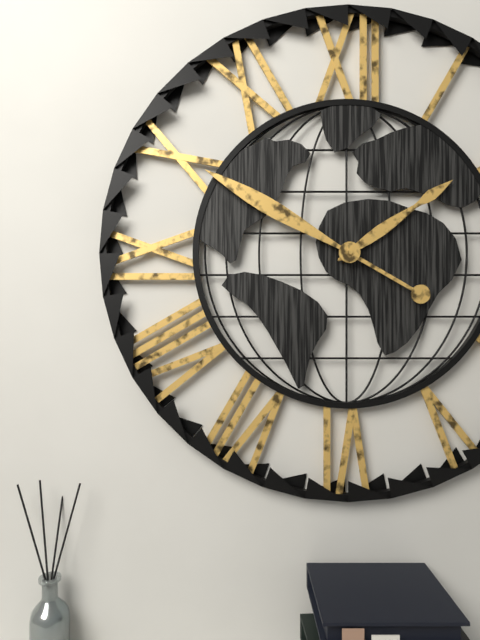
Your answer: **1:50**
